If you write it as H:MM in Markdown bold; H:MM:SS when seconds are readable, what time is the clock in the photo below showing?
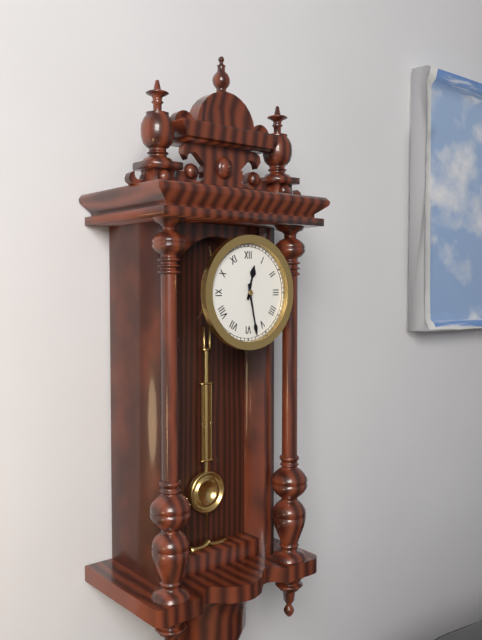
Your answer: **12:28**
